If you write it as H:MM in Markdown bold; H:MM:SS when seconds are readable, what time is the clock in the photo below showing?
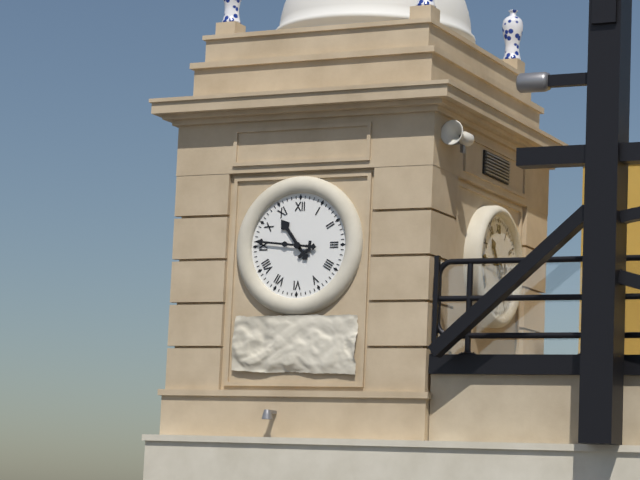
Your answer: **10:46**
